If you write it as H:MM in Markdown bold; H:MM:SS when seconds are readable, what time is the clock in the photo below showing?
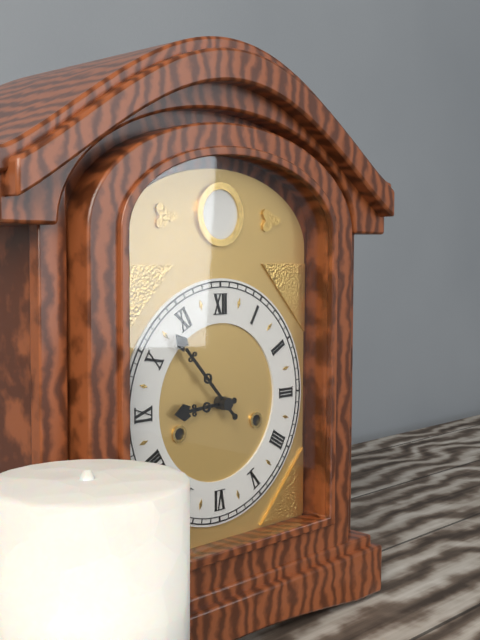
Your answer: **8:53**
